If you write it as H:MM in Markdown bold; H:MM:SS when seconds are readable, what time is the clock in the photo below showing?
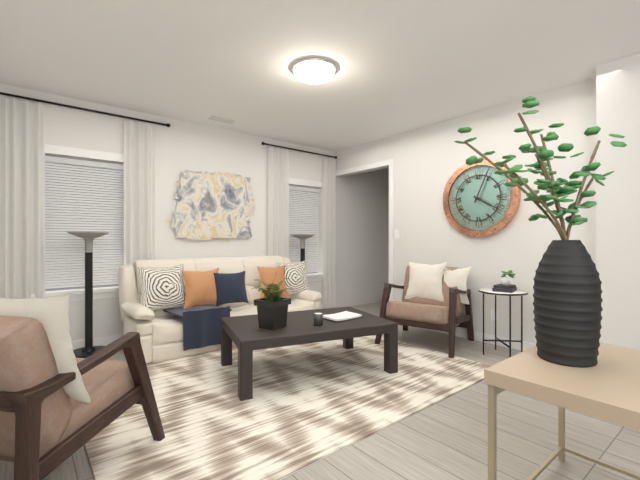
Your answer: **4:04**
